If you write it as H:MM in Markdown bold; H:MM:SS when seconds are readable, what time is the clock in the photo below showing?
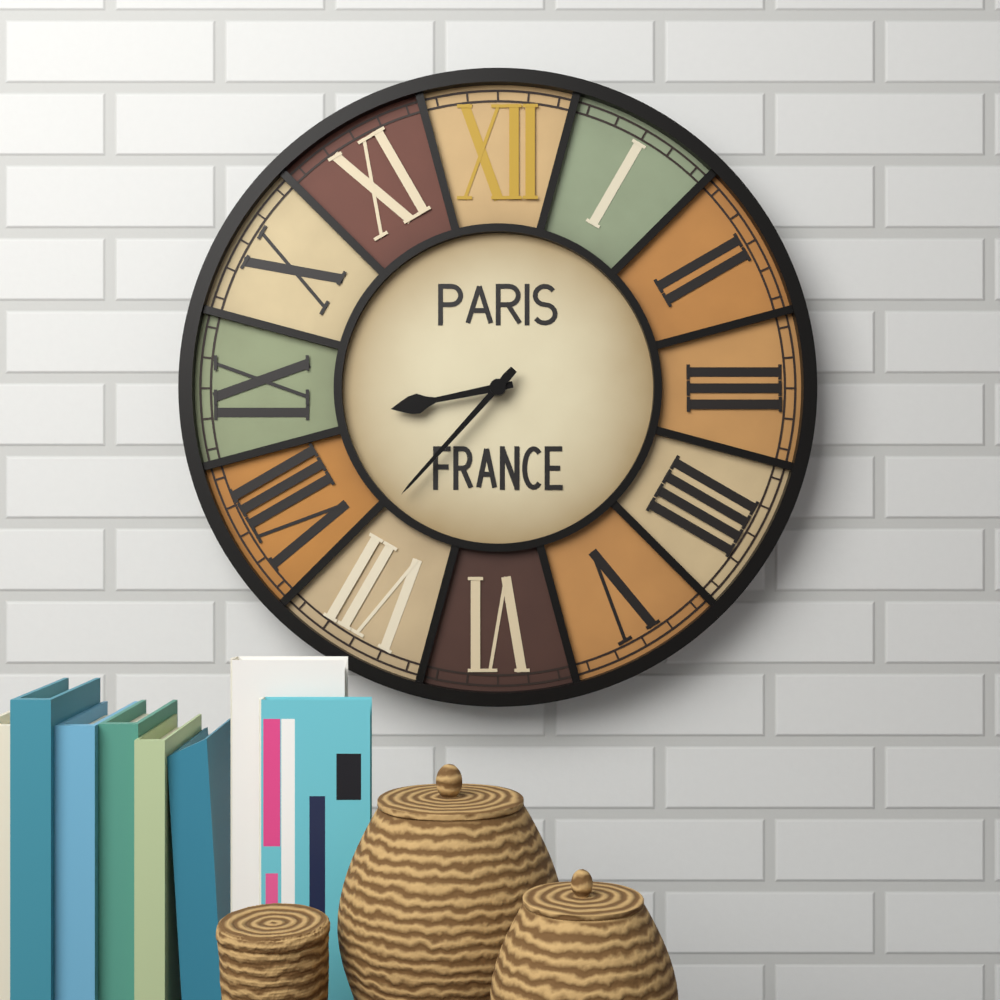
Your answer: **8:37**
